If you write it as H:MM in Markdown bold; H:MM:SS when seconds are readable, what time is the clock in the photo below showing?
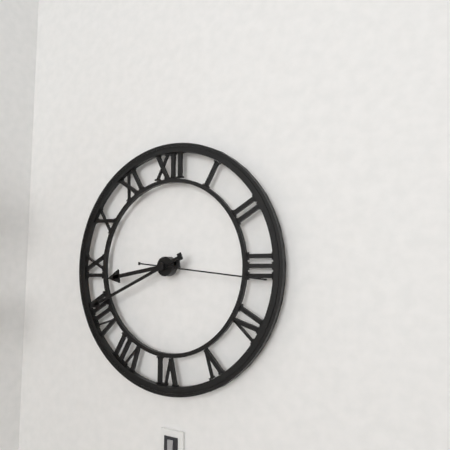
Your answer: **8:41:16**
